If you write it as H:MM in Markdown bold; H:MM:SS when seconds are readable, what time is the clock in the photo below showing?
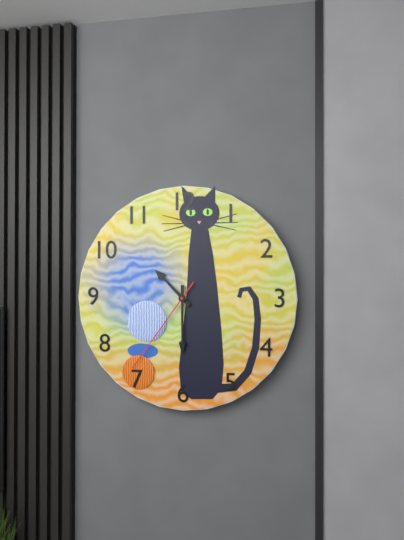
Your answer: **10:30:36**
